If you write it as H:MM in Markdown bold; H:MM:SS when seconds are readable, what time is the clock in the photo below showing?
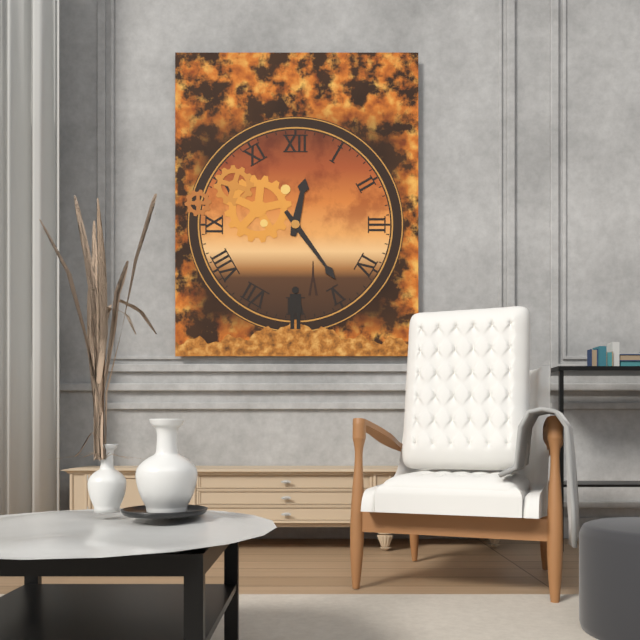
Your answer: **12:24**
